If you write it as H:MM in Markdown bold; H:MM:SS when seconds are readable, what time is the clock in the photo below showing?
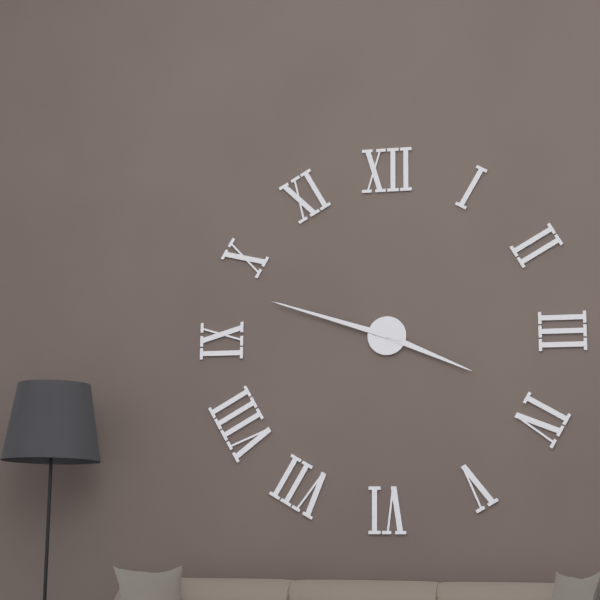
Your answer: **3:48**
